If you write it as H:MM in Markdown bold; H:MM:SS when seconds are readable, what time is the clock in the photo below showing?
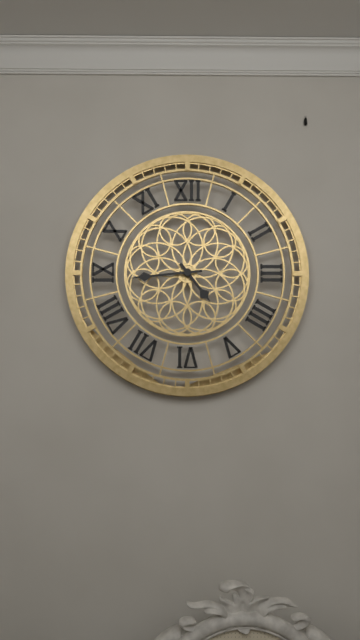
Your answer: **4:44**
